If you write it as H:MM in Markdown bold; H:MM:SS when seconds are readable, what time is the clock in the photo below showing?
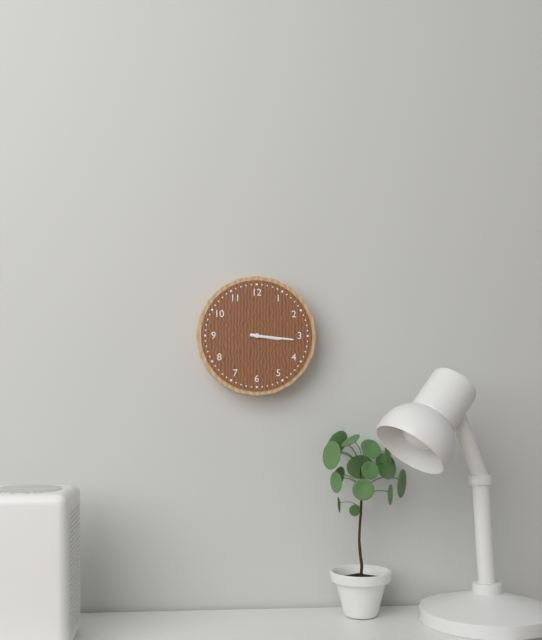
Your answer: **3:16**
